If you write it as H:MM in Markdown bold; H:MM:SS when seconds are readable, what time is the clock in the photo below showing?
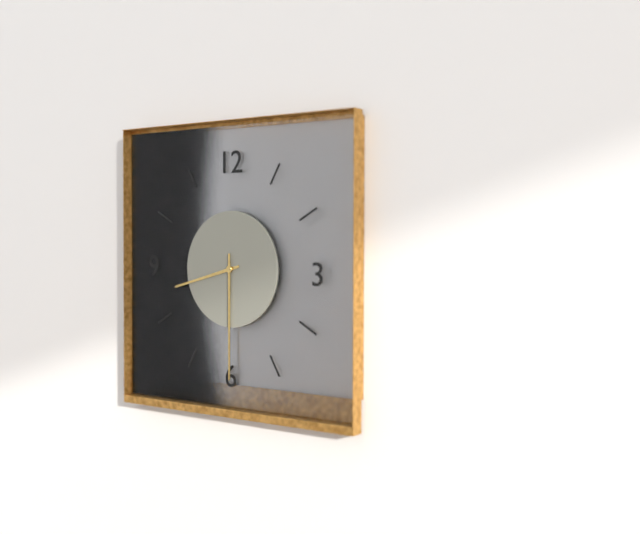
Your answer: **8:30**
